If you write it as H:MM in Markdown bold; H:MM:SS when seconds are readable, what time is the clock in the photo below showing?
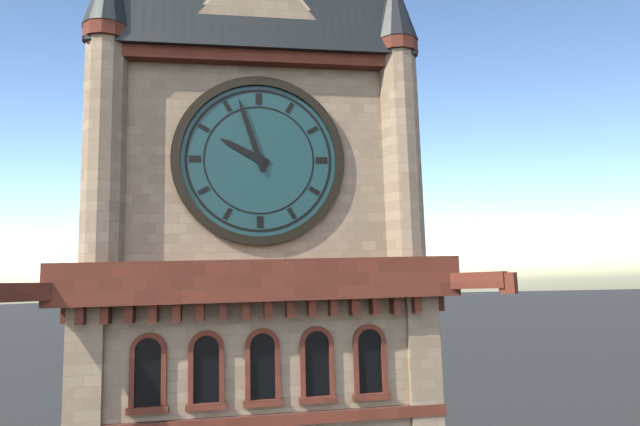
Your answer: **9:57**
